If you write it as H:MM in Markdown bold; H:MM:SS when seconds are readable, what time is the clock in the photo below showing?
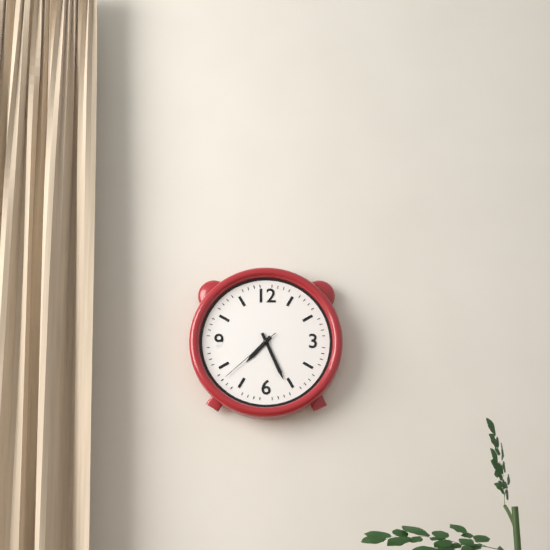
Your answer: **7:26:38**
